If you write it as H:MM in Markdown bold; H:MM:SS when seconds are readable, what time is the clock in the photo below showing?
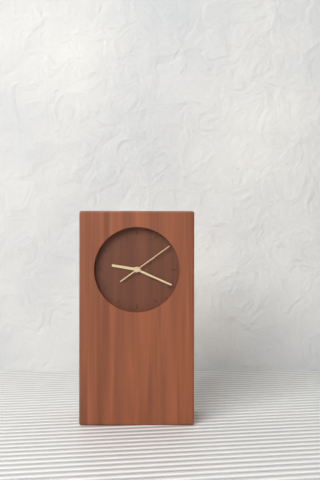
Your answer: **9:19:09**
